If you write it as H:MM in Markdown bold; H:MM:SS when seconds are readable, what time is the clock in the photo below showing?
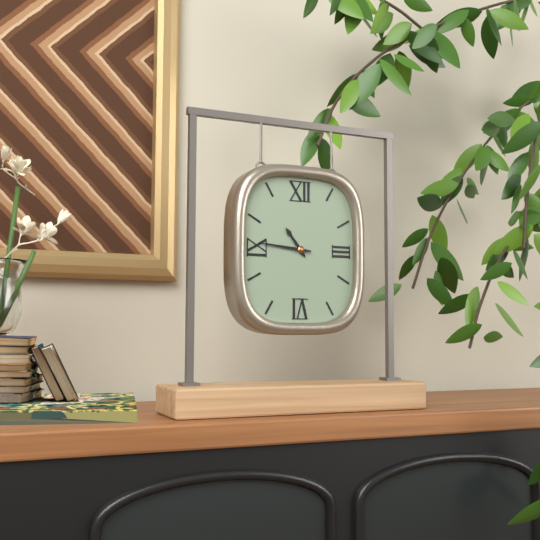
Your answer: **10:46**
